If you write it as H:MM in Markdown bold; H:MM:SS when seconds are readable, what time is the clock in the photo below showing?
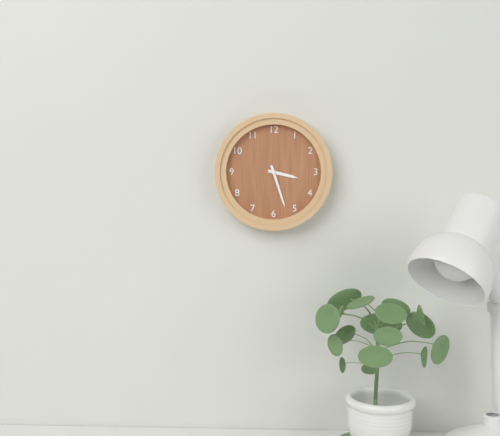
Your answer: **3:27**
